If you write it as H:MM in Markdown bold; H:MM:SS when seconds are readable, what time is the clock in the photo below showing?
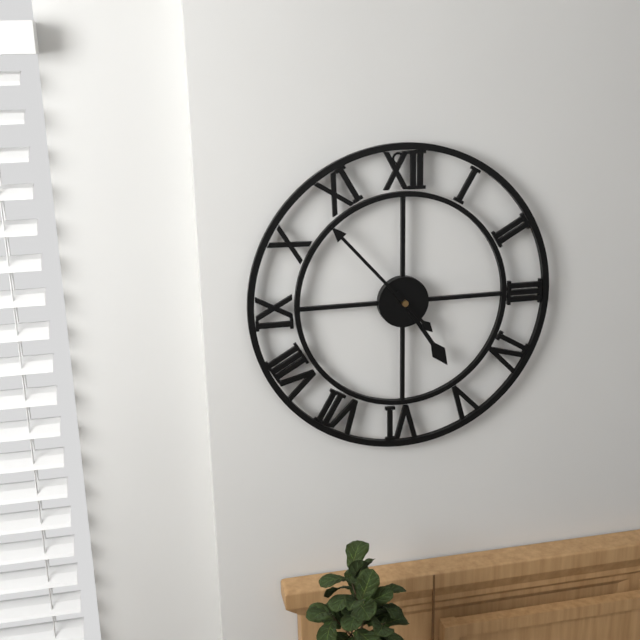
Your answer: **4:53**
